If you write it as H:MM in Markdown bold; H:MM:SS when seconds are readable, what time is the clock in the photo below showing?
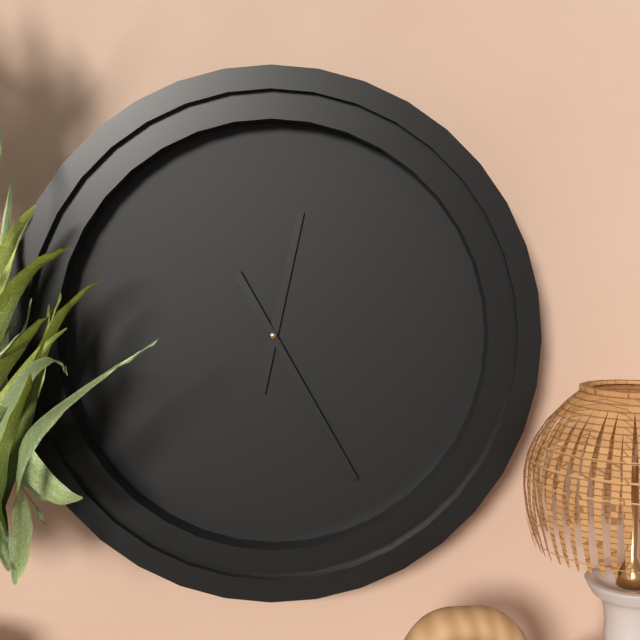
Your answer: **12:25**
